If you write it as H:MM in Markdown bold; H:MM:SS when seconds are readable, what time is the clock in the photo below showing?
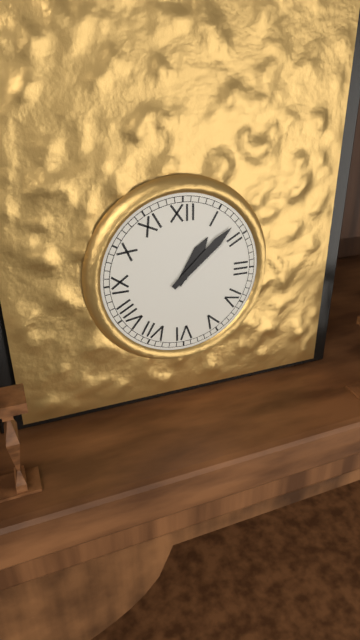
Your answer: **1:08**
